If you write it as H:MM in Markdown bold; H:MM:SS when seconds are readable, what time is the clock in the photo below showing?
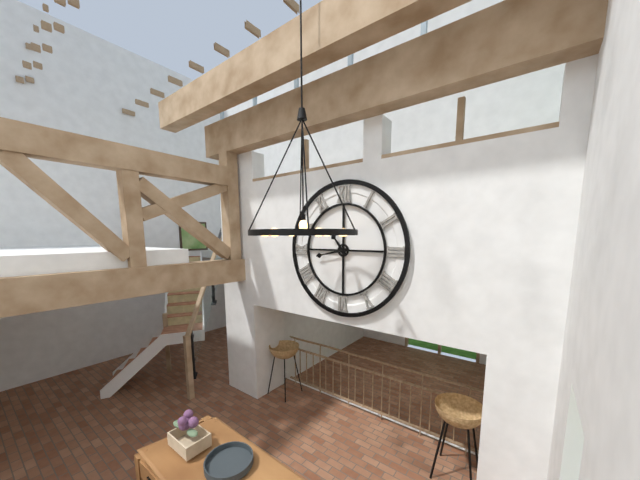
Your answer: **10:43**
